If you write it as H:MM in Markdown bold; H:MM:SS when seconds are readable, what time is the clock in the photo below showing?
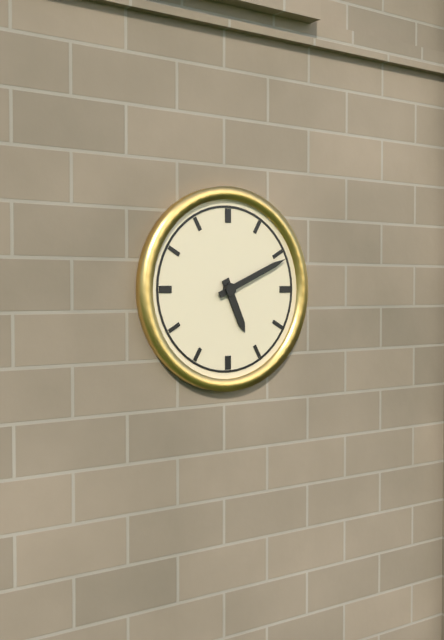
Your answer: **5:11**
